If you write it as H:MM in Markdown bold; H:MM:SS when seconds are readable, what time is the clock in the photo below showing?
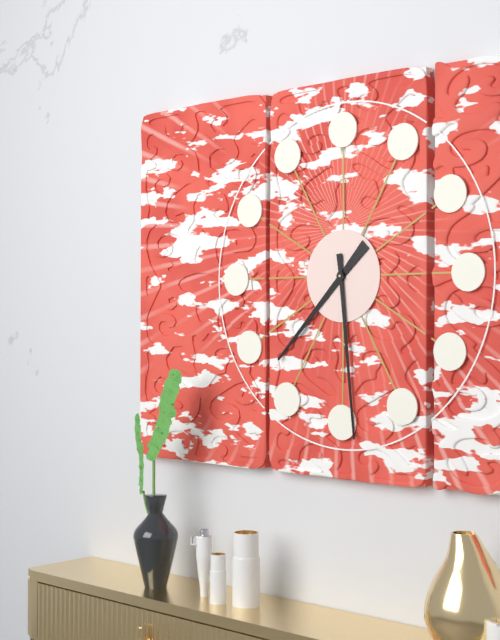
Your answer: **7:29**
